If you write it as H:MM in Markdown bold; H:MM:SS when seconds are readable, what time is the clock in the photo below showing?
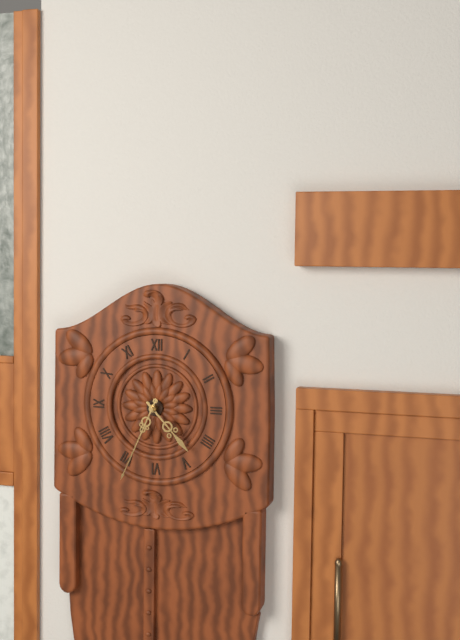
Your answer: **4:34**
